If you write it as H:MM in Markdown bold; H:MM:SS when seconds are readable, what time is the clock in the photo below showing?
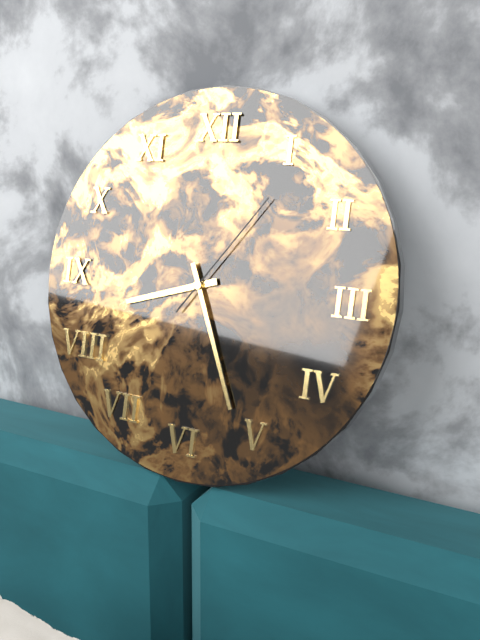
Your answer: **8:26:06**
